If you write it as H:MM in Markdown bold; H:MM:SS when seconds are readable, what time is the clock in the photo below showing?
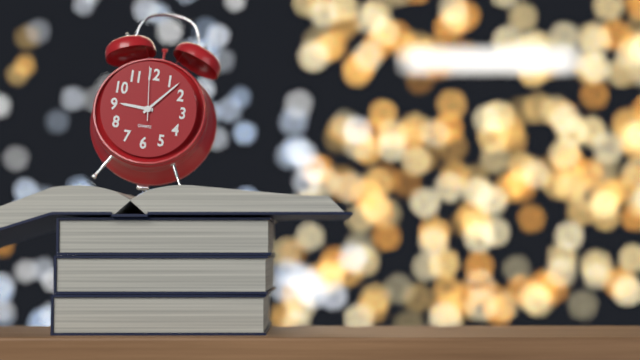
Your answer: **9:07:59**
